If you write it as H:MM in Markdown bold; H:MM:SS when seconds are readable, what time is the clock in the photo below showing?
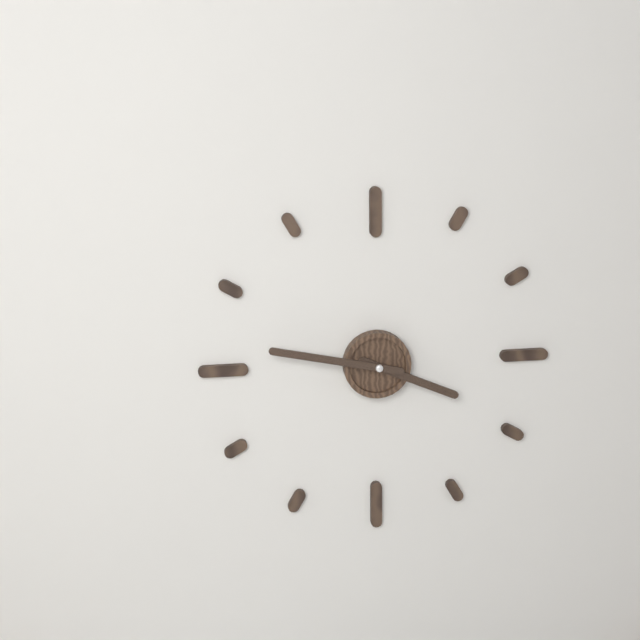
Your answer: **3:47**
